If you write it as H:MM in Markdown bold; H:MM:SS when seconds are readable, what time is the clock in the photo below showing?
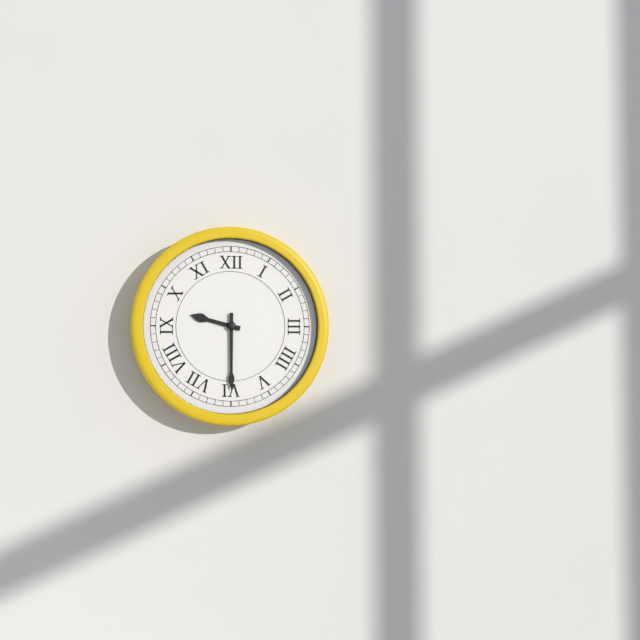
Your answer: **9:30**
